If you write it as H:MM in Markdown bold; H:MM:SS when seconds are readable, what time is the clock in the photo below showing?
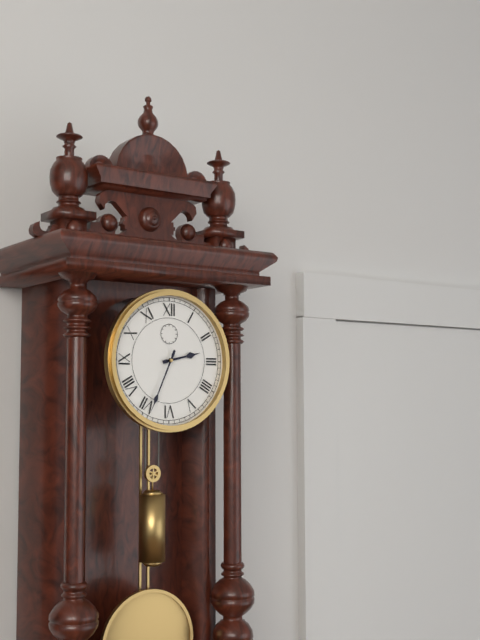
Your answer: **2:34**
